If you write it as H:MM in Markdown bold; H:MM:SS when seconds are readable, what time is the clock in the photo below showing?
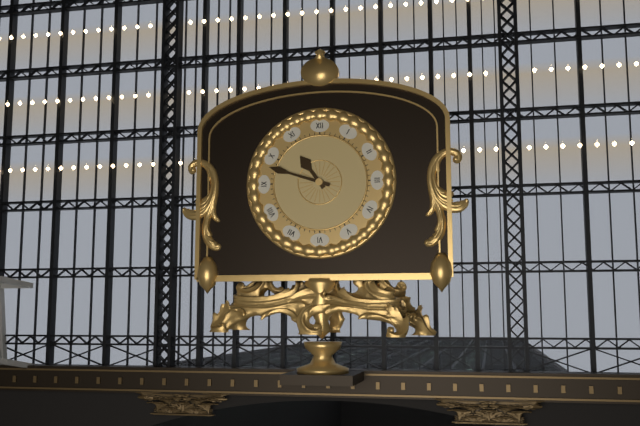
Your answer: **10:48**
